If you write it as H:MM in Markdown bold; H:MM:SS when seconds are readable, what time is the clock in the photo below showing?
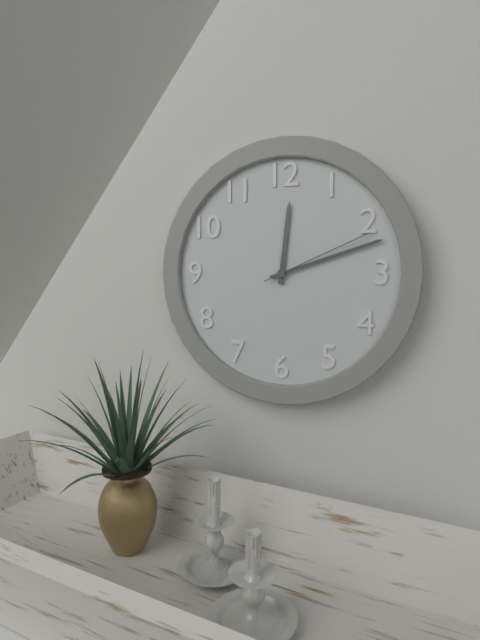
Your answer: **12:12:11**
